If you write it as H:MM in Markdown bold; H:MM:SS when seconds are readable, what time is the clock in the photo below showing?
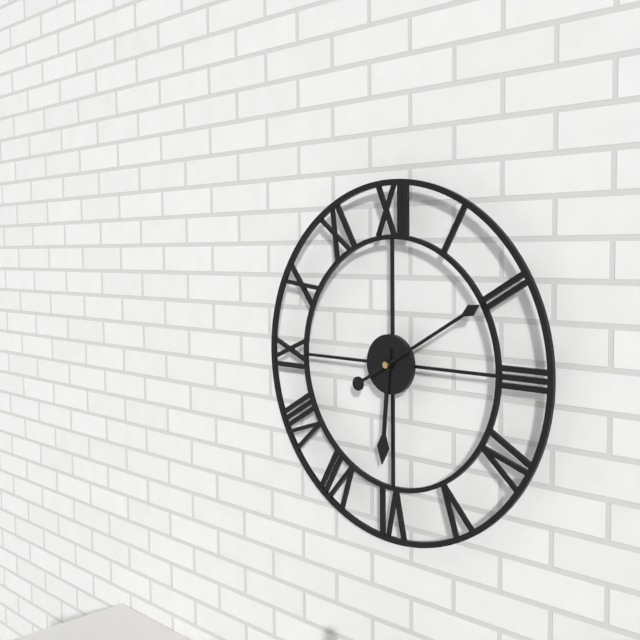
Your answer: **6:10**
